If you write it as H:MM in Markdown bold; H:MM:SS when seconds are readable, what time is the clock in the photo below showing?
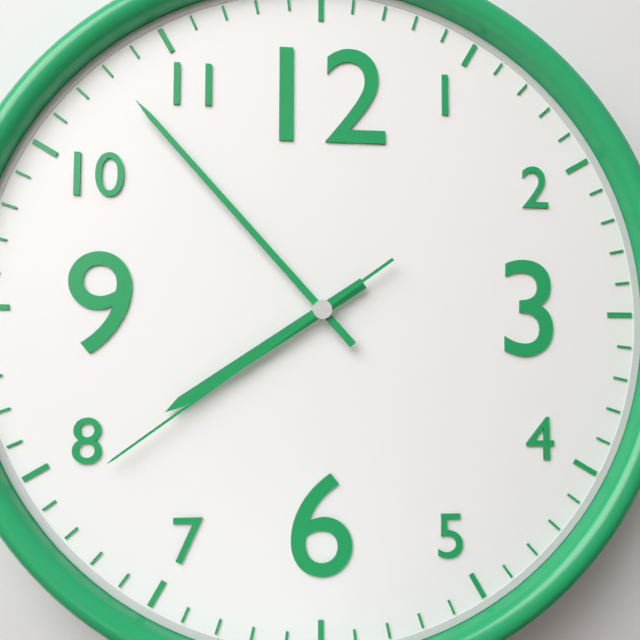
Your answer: **7:53:39**
